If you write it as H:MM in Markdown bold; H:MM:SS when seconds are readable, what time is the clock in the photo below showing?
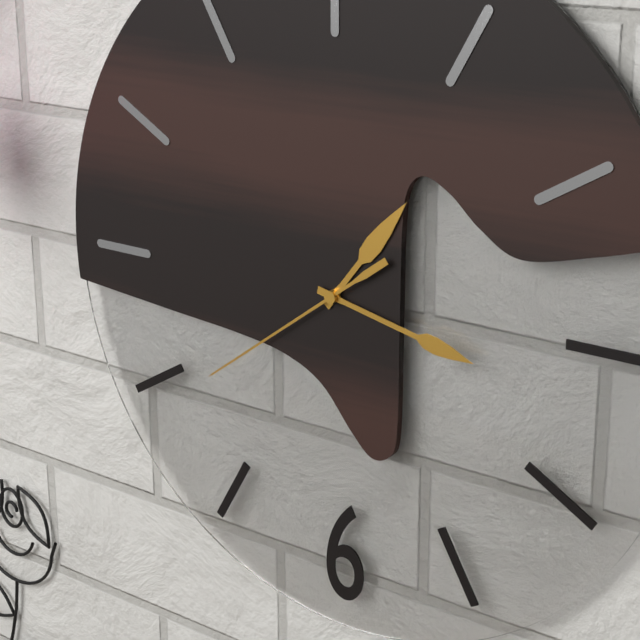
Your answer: **1:17:39**
